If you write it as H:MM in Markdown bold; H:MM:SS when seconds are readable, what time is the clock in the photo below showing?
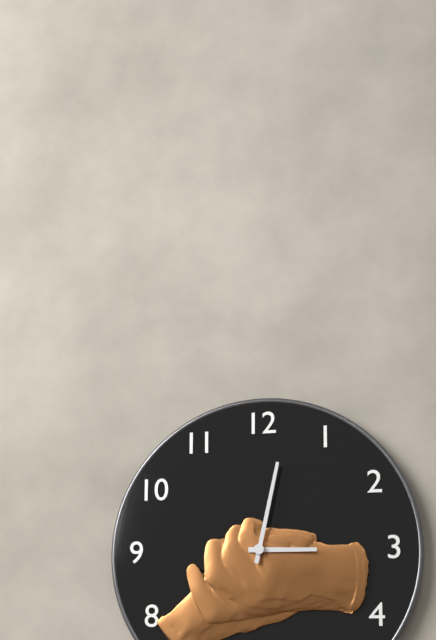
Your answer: **3:02**
